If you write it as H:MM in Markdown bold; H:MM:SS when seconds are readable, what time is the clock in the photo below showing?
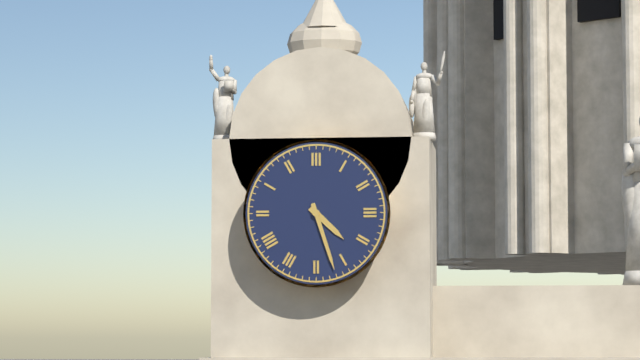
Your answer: **4:27**
